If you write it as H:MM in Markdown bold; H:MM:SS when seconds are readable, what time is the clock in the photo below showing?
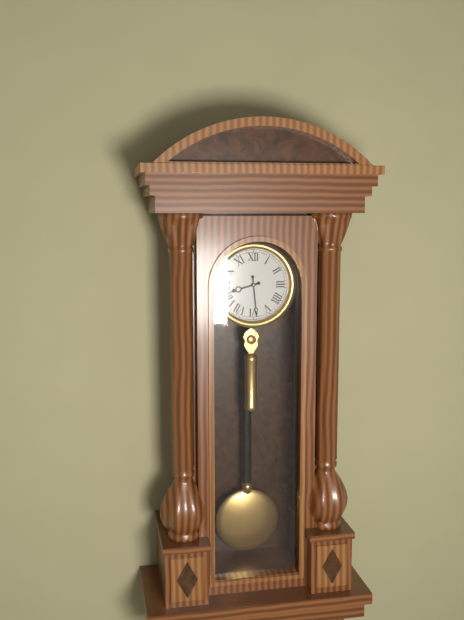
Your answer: **8:29**
